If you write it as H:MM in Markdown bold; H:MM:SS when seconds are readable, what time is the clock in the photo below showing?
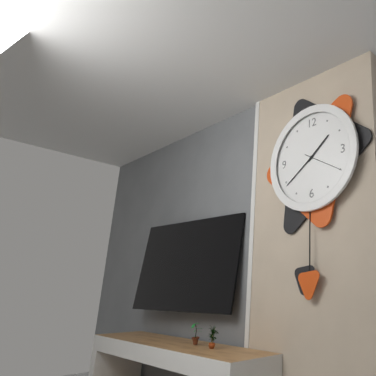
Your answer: **1:39**
